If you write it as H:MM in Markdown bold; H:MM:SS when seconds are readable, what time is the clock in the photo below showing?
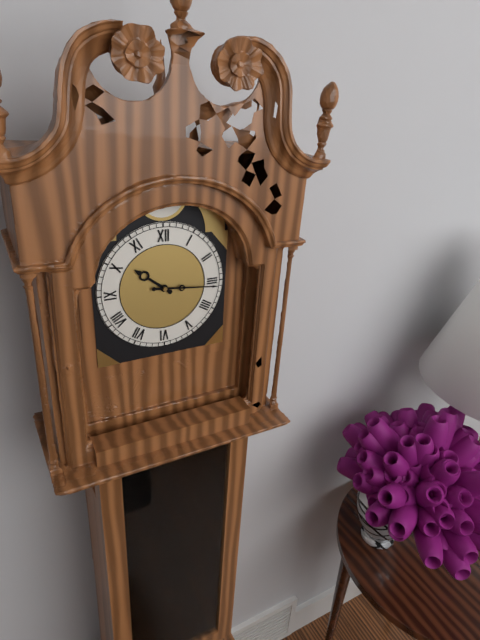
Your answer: **10:16**
